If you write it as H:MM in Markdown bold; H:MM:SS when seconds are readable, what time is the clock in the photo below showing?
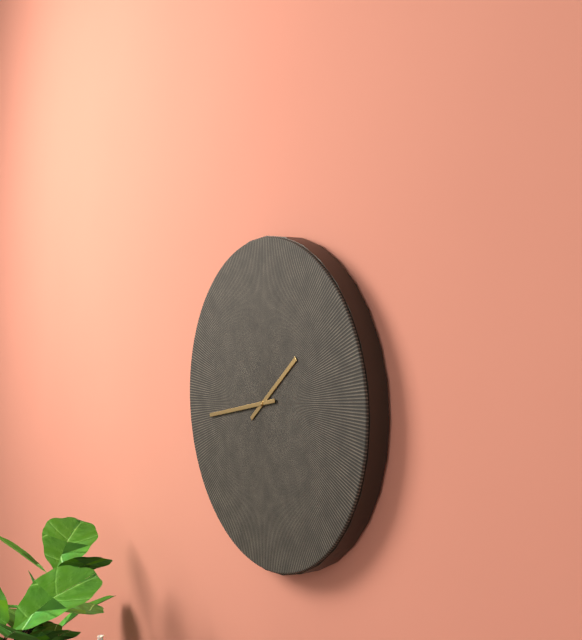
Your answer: **1:43**
